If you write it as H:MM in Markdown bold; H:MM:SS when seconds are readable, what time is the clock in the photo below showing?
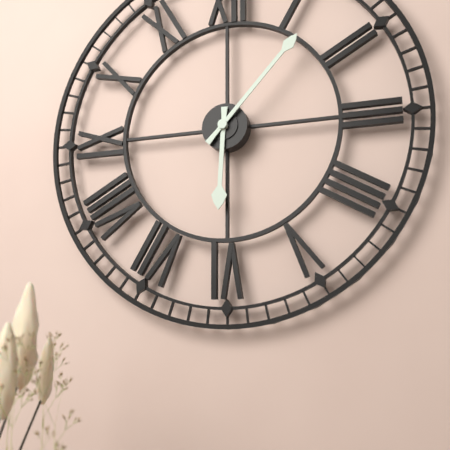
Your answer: **6:07**
